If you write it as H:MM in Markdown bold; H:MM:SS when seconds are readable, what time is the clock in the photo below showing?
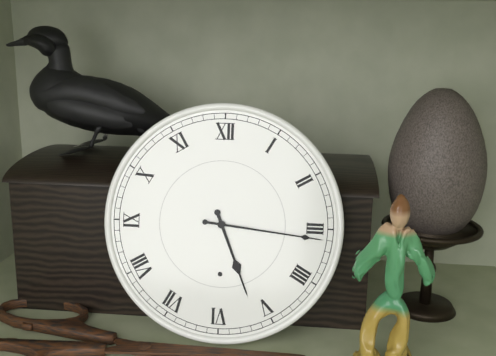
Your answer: **5:16**
